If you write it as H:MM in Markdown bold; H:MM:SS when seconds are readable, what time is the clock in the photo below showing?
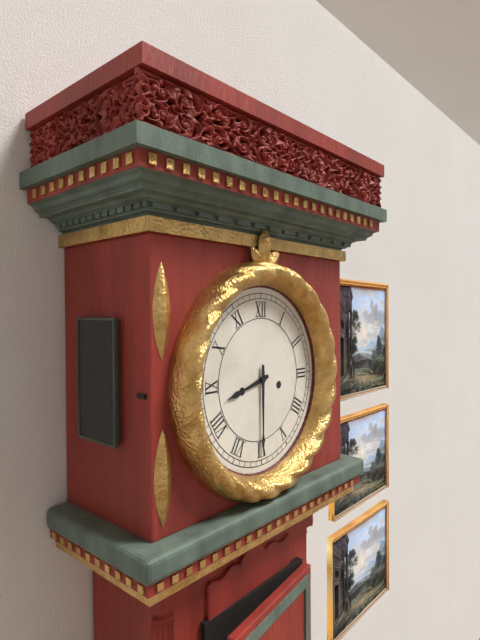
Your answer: **8:30**
